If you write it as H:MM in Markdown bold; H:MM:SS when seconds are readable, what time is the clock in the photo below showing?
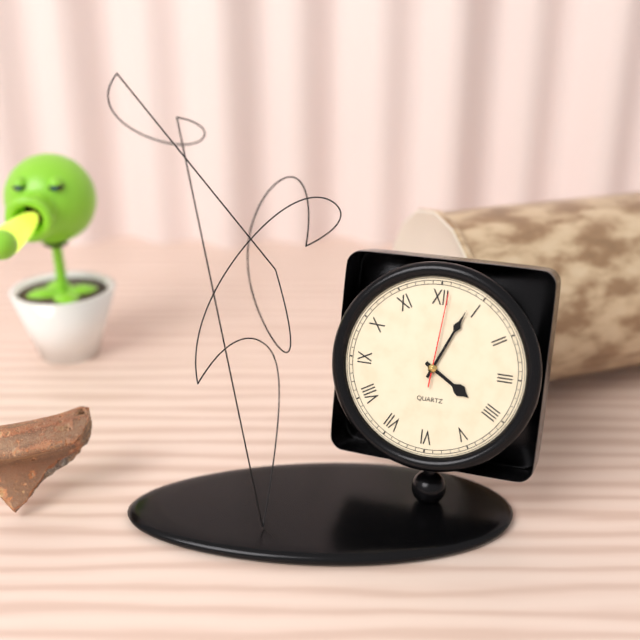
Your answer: **4:04:01**
